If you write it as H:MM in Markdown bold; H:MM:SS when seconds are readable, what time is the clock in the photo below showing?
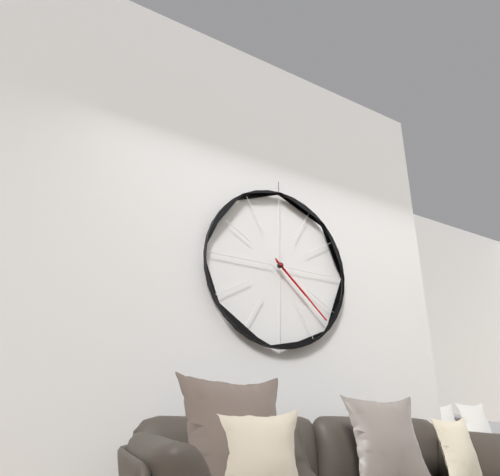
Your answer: **4:22**
